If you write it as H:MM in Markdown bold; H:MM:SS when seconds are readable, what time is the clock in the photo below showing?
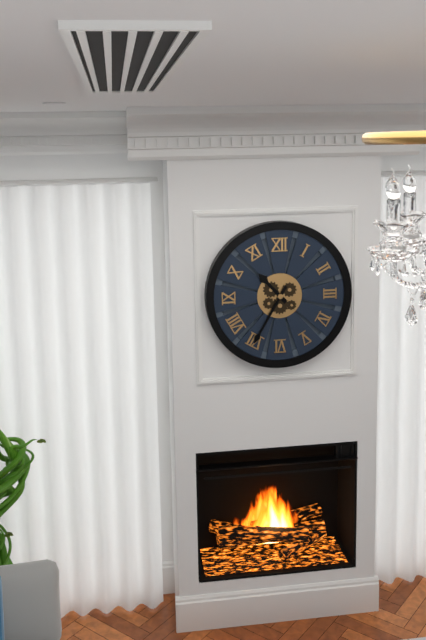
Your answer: **10:35**
